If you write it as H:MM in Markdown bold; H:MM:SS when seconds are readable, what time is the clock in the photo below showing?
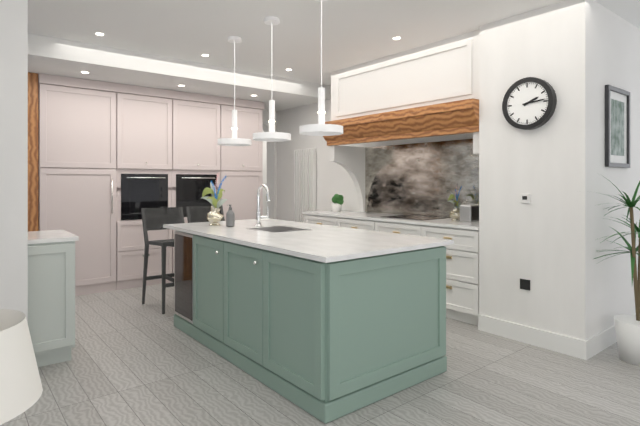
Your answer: **2:14**
